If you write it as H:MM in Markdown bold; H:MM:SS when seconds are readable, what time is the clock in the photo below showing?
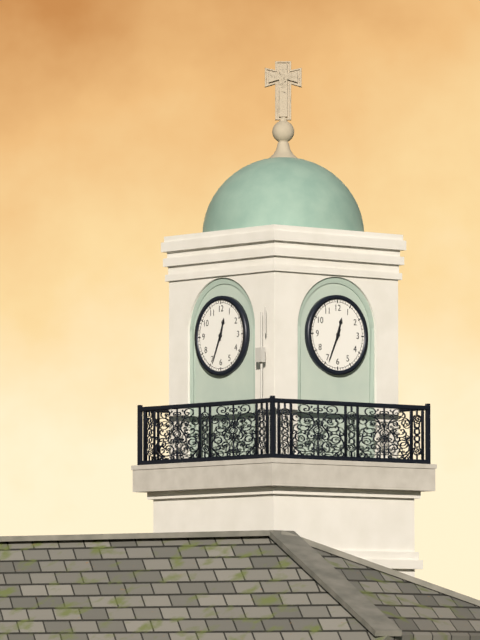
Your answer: **12:34**
